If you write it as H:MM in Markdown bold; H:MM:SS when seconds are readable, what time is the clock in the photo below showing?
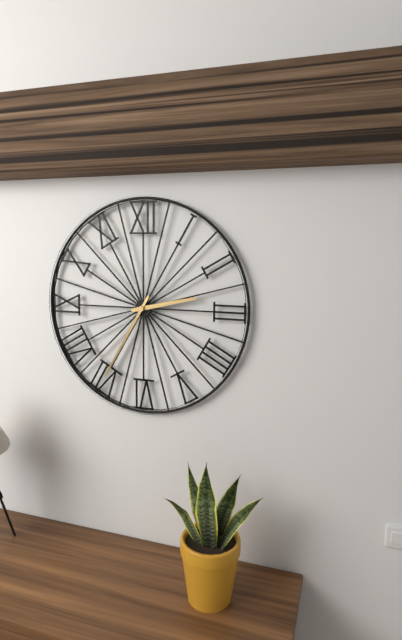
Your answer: **2:35**
